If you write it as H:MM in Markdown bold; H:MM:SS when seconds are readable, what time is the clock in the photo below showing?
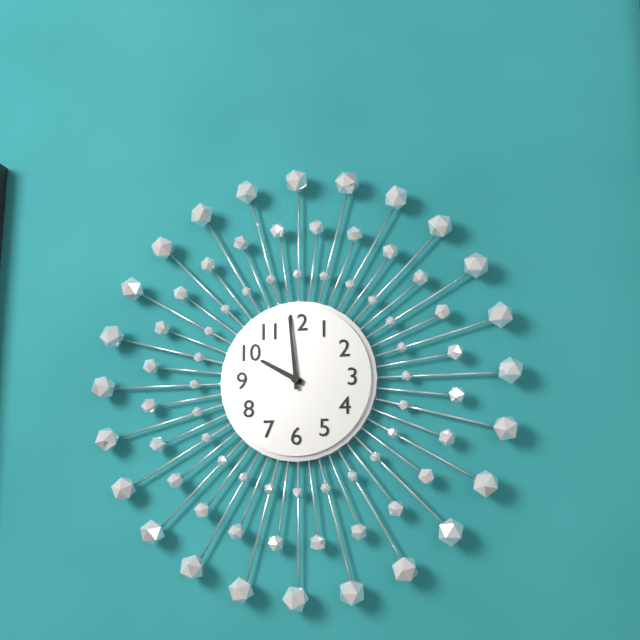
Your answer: **9:59**
